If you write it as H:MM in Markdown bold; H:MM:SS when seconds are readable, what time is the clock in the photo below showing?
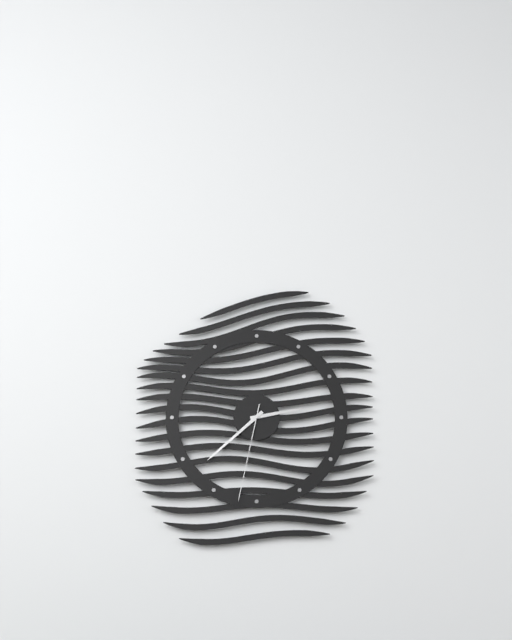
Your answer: **2:38:32**
